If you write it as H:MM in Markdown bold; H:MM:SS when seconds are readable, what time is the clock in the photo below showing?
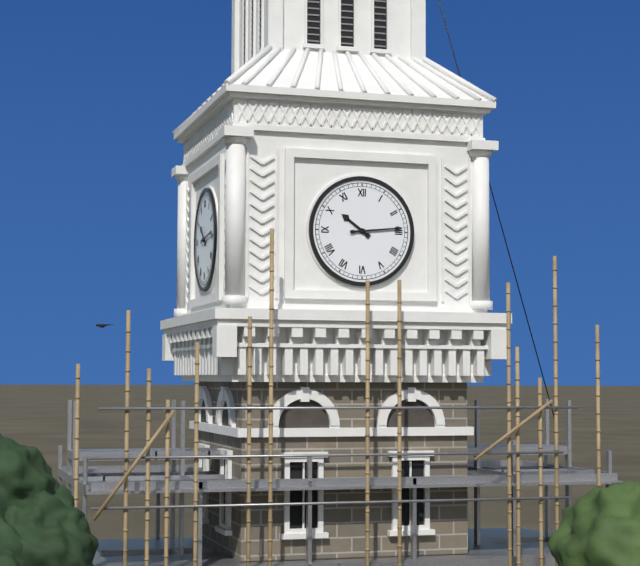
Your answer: **10:14**
